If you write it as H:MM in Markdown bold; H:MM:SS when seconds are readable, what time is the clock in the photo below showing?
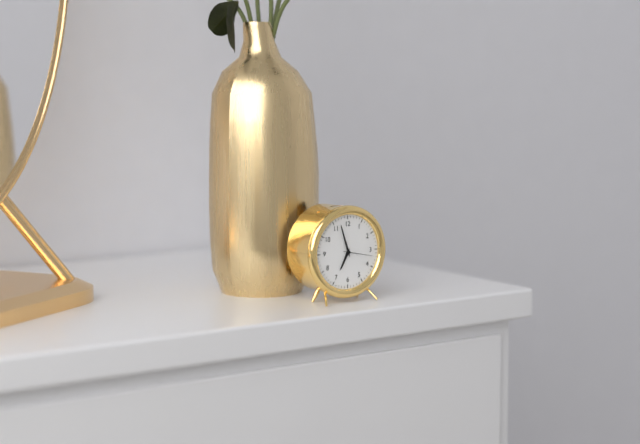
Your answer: **6:57**
